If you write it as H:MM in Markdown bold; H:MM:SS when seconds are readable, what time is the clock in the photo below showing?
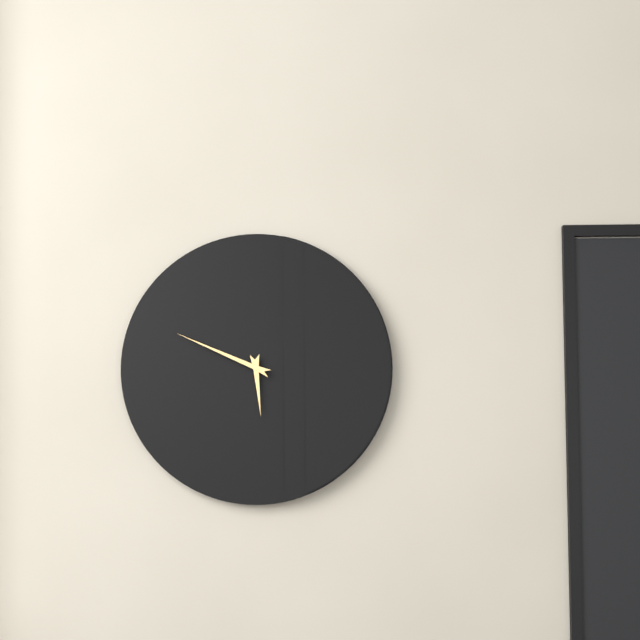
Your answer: **5:49**
